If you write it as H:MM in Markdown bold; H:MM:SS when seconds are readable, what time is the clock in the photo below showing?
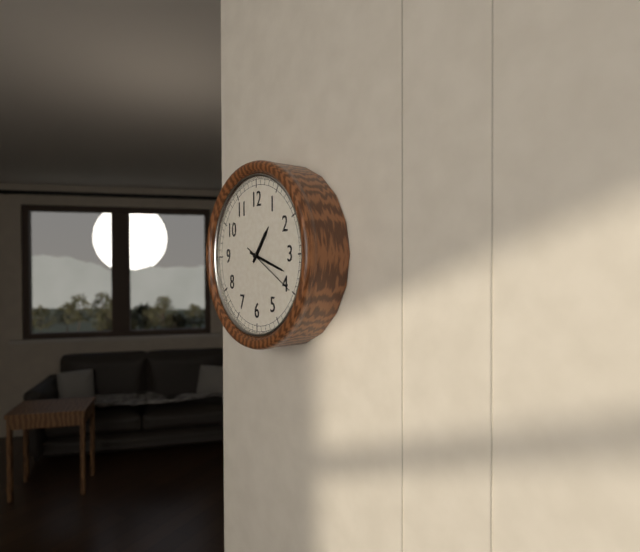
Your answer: **1:18:20**
